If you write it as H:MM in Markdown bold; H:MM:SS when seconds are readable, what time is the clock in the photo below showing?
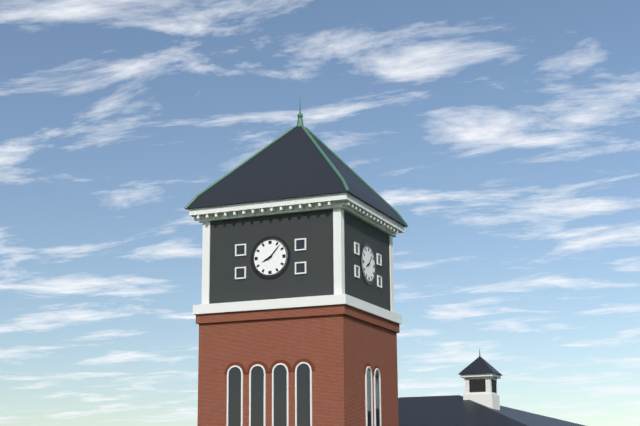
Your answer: **8:07**
